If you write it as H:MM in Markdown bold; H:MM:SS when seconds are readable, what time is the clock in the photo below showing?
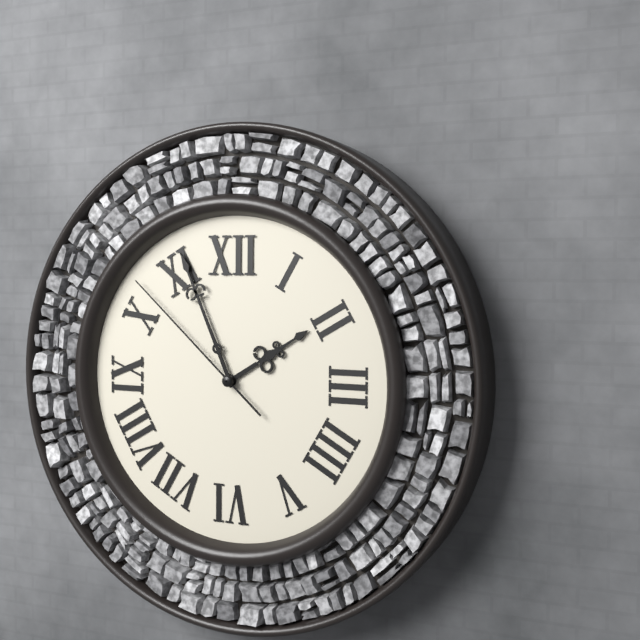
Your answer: **1:56:52**
